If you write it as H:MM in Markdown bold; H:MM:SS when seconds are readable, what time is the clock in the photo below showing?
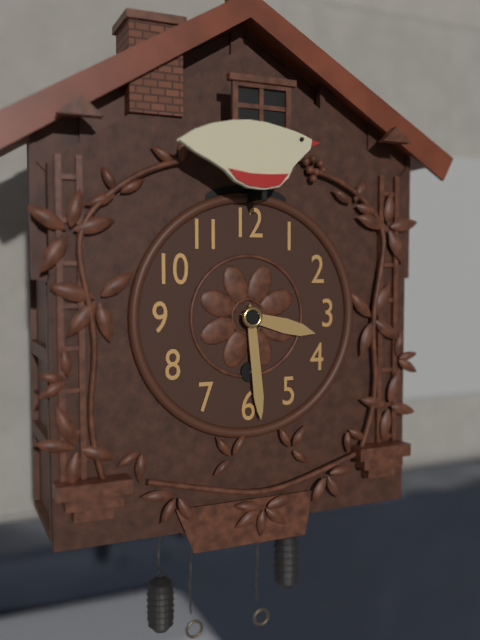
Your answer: **3:29**
